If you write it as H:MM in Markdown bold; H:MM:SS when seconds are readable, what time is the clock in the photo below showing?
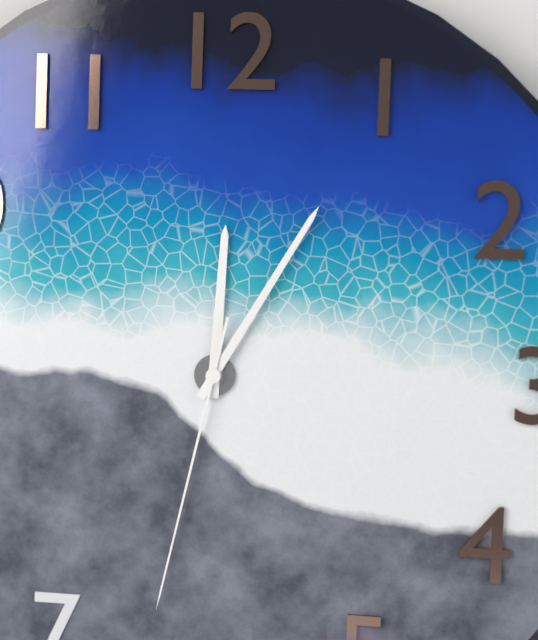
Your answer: **12:05:32**
